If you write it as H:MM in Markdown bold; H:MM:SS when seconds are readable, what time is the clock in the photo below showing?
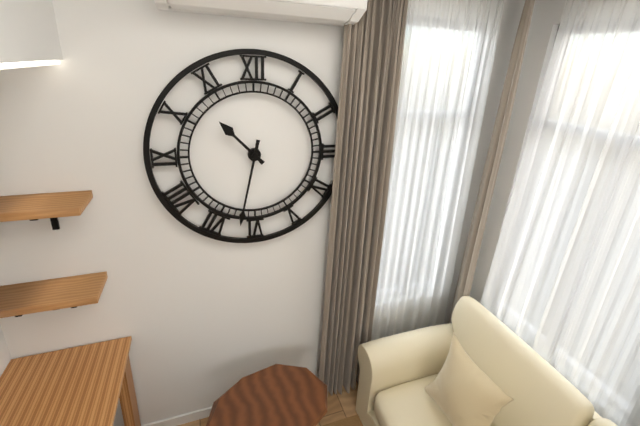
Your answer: **10:32**
